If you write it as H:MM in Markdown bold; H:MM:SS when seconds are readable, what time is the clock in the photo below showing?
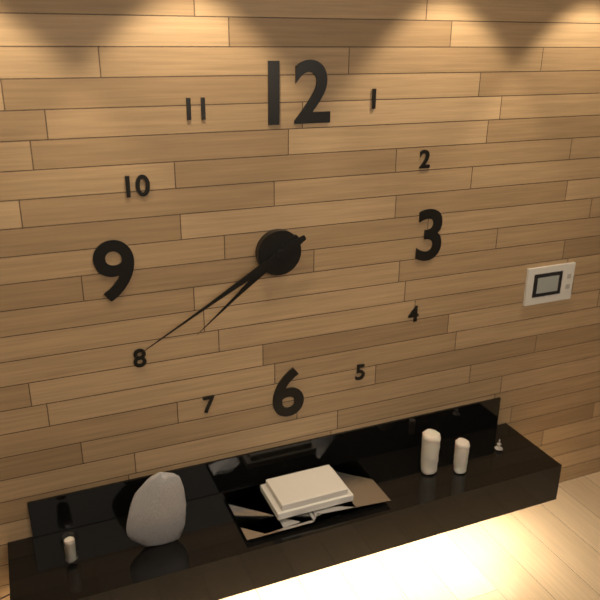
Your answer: **7:40**
